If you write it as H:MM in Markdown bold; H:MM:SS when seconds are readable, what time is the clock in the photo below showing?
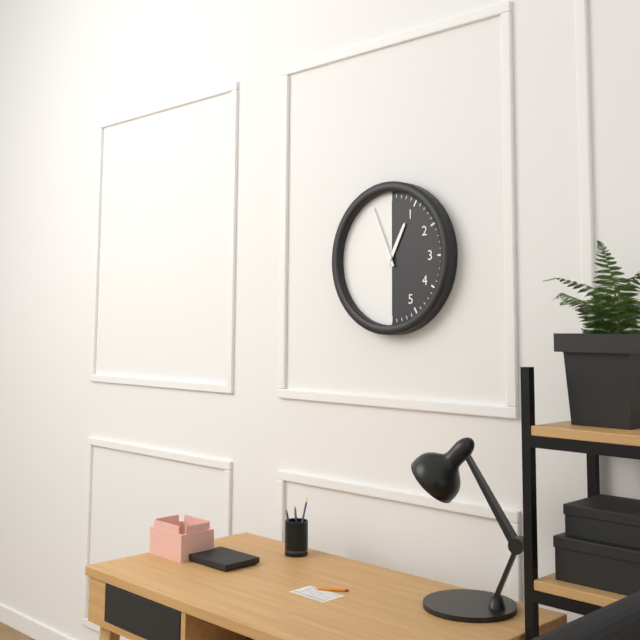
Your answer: **12:56**
